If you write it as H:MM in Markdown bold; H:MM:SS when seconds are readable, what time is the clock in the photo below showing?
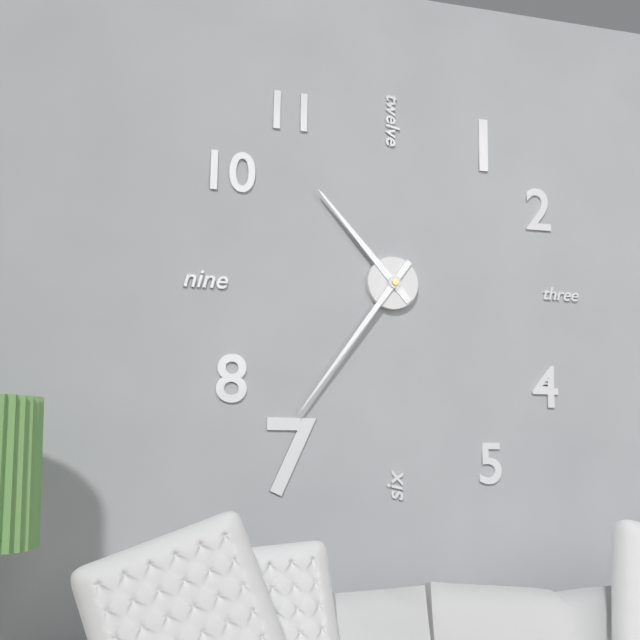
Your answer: **10:36**
